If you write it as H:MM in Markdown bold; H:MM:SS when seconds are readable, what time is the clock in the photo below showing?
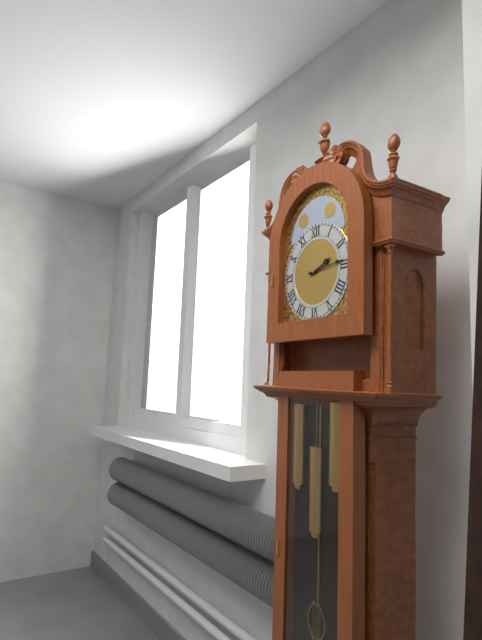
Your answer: **2:14**
